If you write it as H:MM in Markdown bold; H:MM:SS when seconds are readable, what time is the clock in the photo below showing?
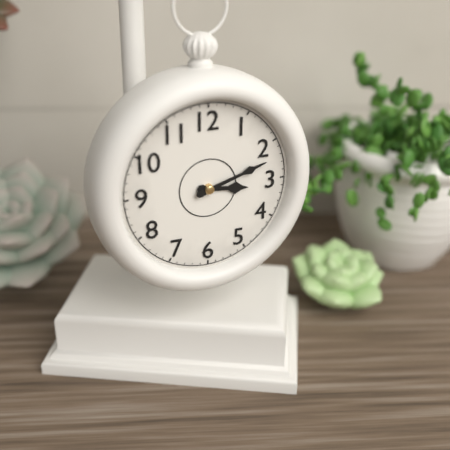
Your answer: **3:12**
